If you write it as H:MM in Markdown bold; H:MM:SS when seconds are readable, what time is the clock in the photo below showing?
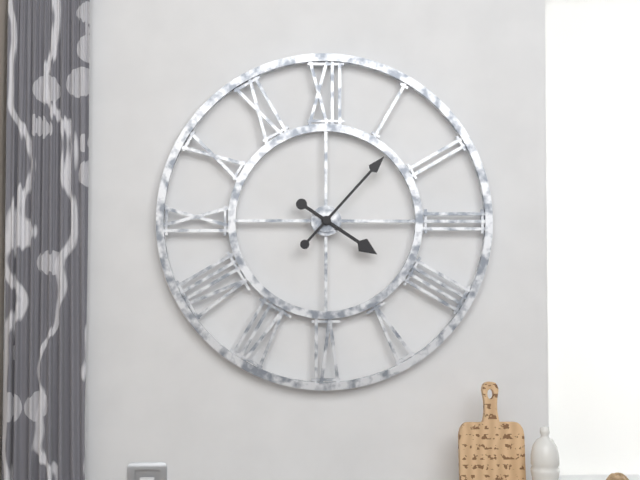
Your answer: **4:07**
